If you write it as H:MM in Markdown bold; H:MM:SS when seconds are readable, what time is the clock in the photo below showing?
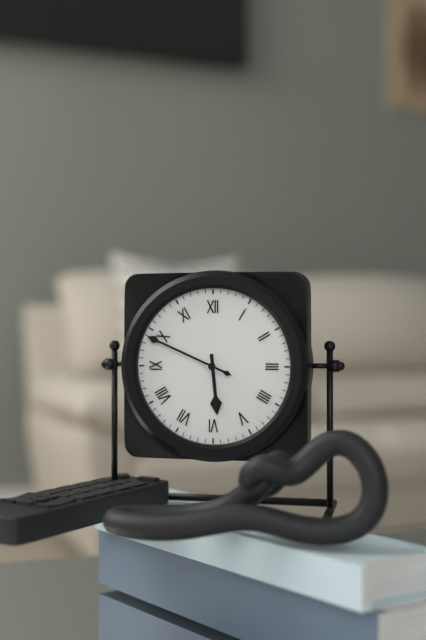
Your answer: **5:49**
